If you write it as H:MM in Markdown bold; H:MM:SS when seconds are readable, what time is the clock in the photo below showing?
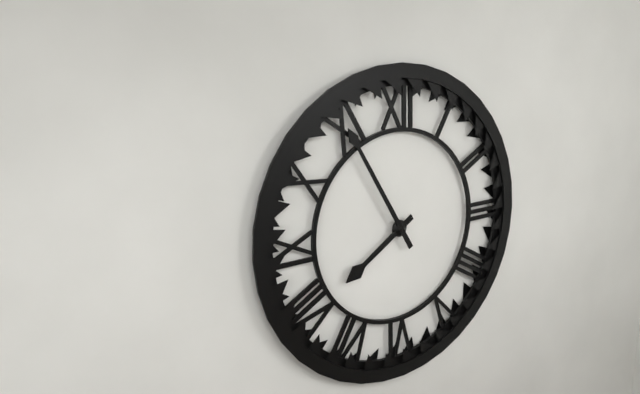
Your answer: **7:55**
